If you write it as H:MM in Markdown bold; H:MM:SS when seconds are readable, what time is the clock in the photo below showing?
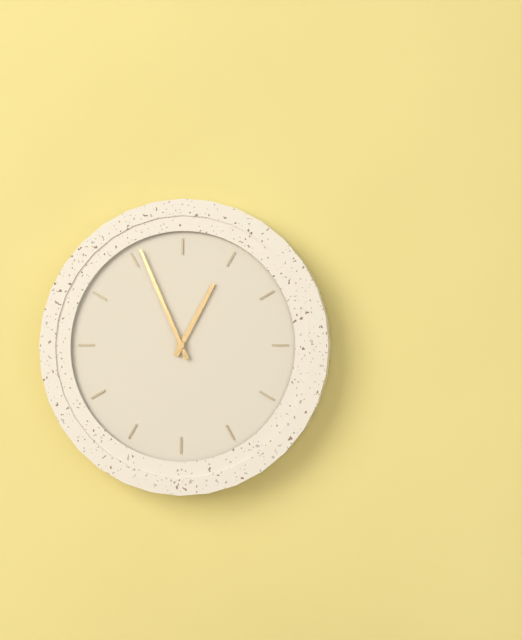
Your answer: **12:56**
